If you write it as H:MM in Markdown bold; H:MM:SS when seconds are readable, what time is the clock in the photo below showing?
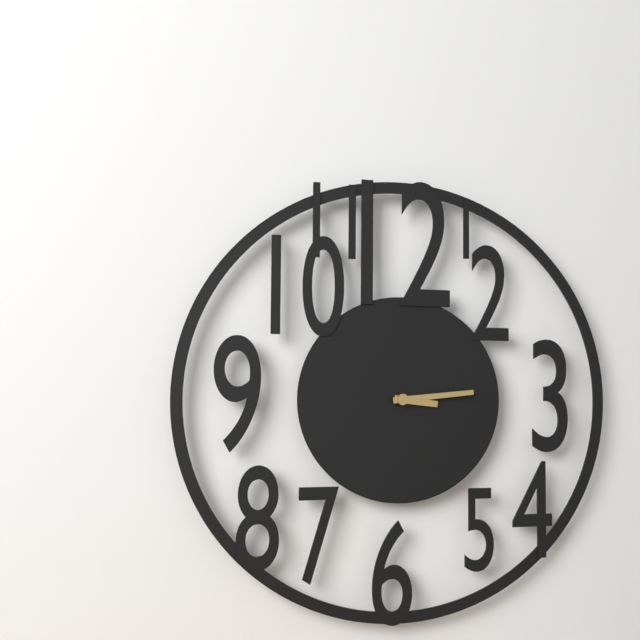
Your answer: **3:14**
